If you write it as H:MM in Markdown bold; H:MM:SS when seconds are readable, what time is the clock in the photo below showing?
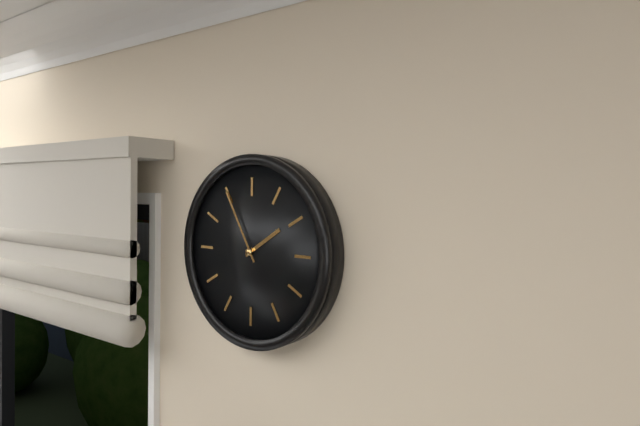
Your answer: **1:55**
